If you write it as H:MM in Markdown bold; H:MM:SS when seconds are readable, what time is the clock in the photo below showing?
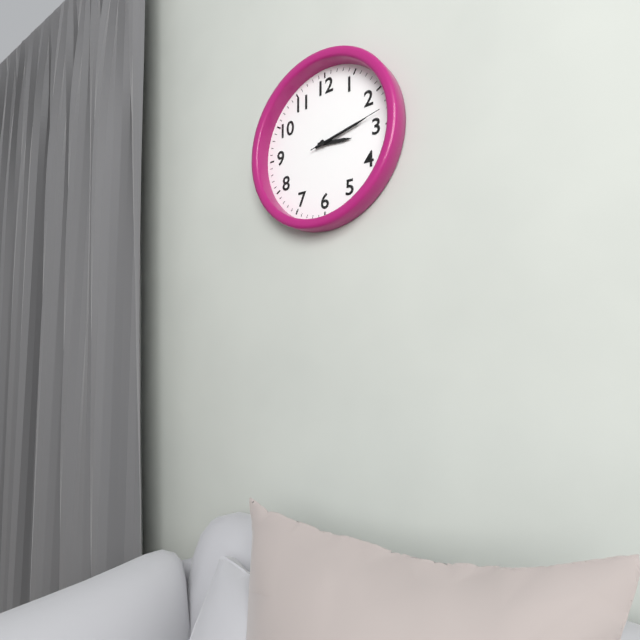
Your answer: **3:13:13**
